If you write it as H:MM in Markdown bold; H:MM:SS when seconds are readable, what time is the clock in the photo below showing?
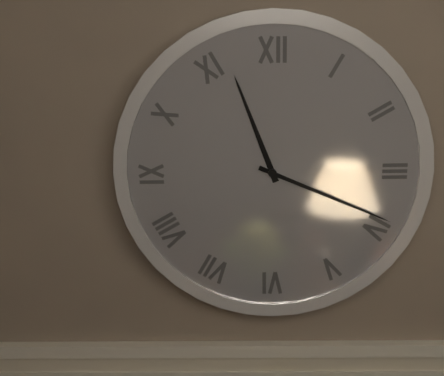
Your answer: **11:19**
